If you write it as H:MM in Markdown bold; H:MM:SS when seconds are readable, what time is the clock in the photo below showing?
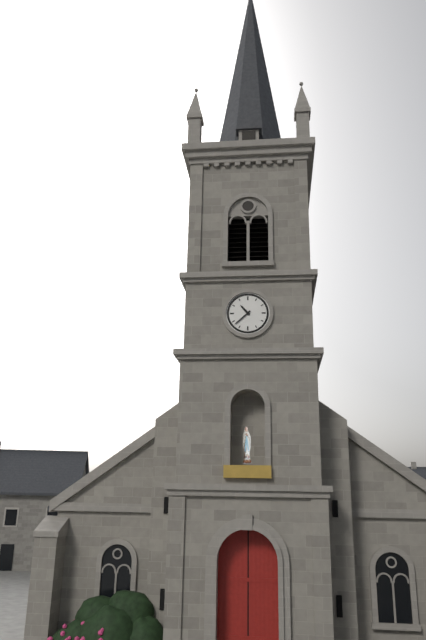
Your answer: **10:38**
